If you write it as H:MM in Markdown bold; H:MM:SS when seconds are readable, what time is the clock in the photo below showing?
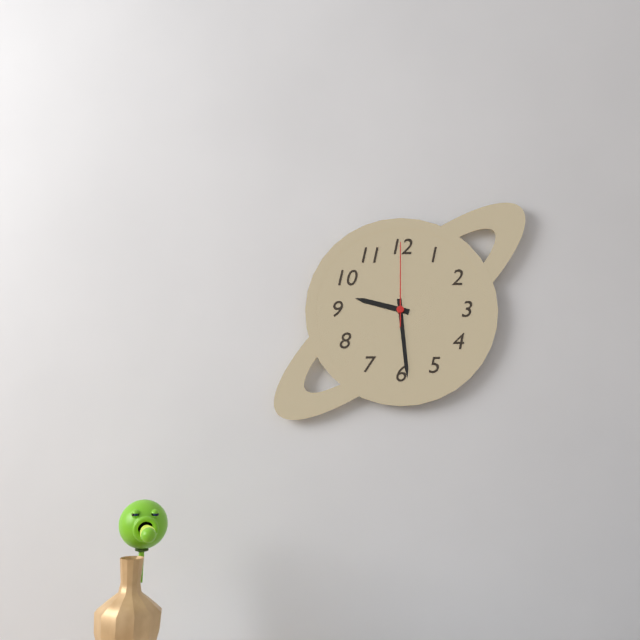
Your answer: **9:29:00**
